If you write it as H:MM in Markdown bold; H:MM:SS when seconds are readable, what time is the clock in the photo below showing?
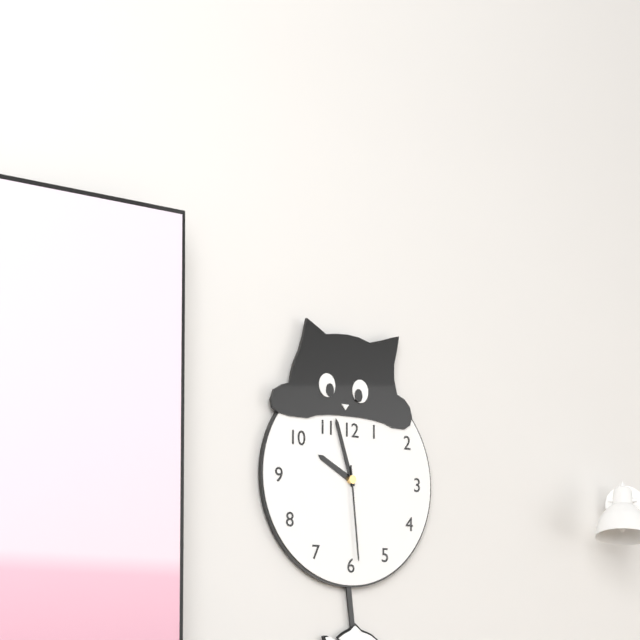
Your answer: **9:57:29**
